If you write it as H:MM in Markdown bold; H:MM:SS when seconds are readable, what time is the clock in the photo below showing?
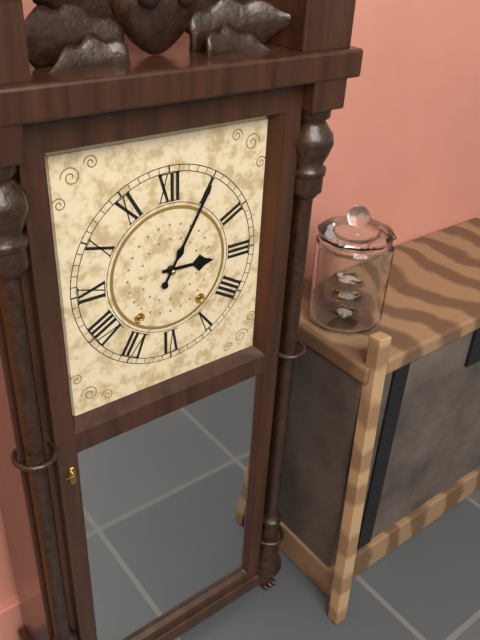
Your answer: **3:05**
